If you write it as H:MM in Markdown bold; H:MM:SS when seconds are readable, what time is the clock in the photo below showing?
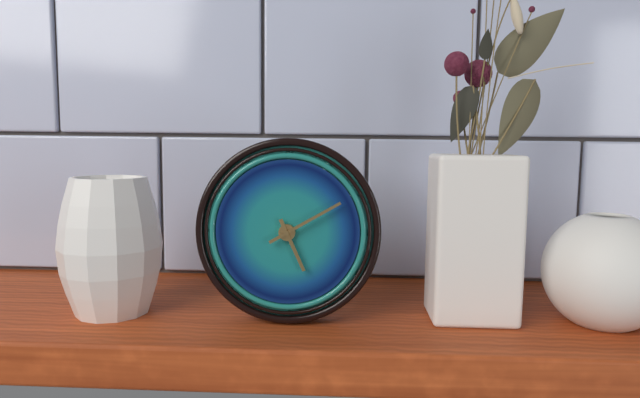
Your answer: **5:10**
